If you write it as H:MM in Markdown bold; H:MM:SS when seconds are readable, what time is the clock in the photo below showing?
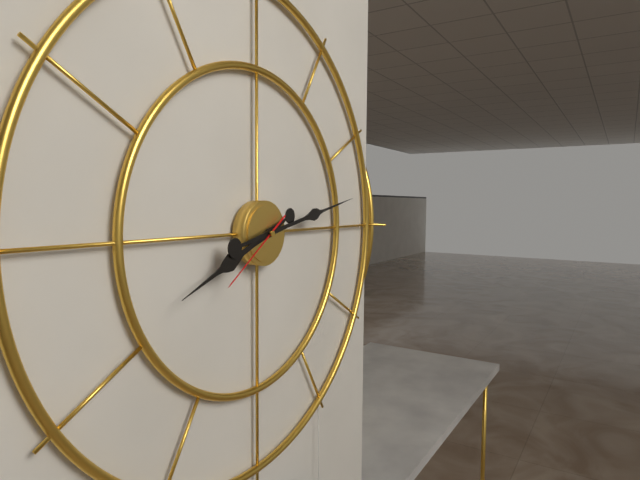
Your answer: **8:13:39**
